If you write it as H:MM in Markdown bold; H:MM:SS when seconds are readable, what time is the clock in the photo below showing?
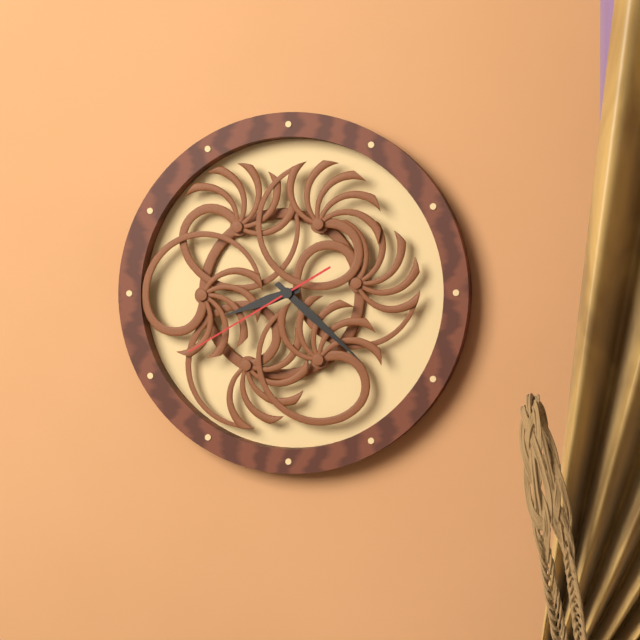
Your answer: **8:22:40**
